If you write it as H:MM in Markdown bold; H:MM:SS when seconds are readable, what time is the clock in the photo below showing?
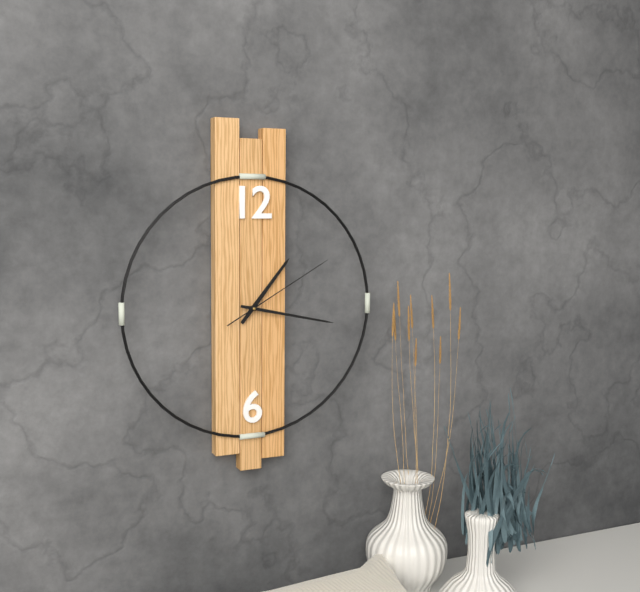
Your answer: **1:17:10**
